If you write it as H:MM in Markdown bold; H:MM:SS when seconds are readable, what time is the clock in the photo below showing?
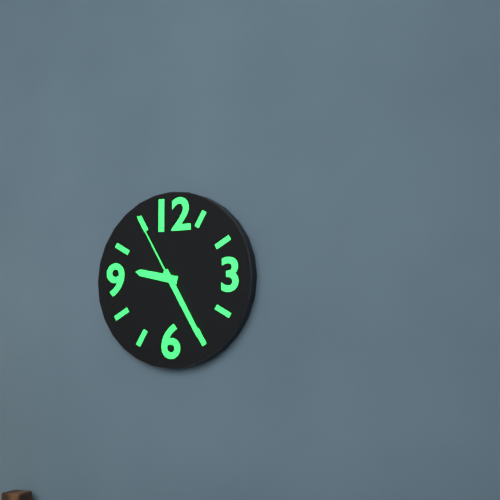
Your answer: **9:25:55**
